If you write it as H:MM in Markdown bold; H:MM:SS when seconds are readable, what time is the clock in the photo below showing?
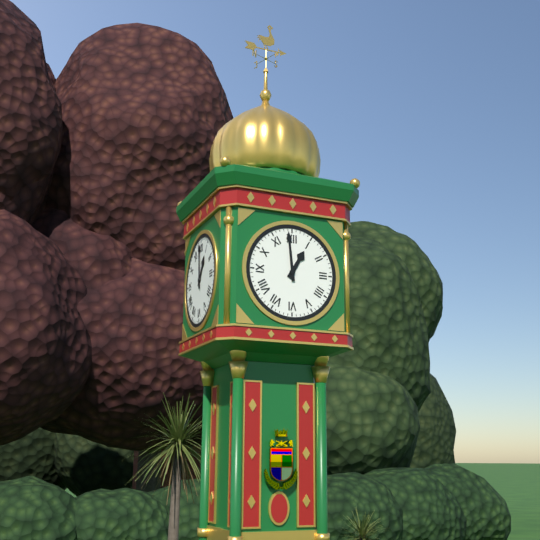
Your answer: **12:59**
